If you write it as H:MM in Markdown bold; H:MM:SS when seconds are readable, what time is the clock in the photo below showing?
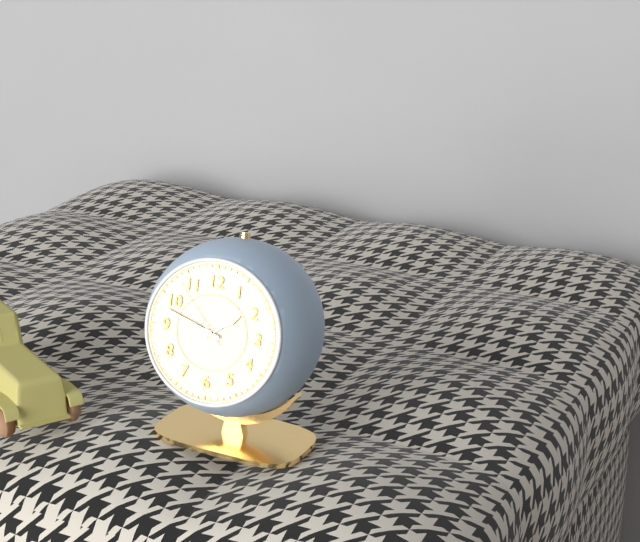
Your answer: **1:48:53**
